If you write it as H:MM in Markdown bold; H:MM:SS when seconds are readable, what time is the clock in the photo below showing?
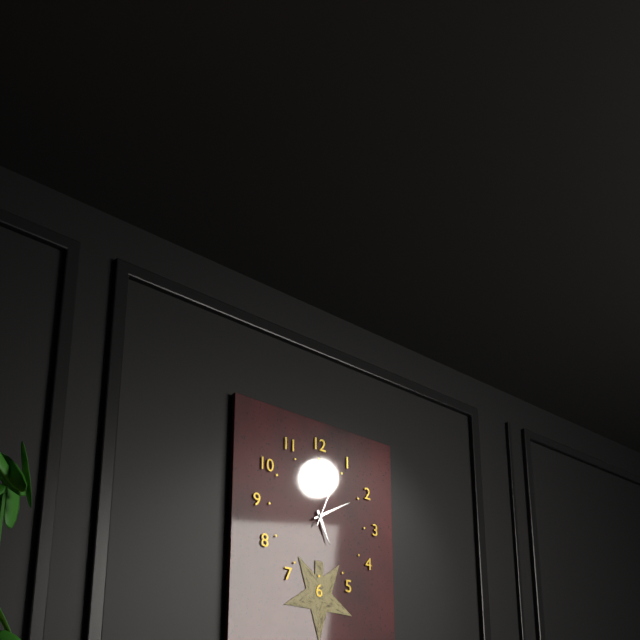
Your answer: **5:10**
